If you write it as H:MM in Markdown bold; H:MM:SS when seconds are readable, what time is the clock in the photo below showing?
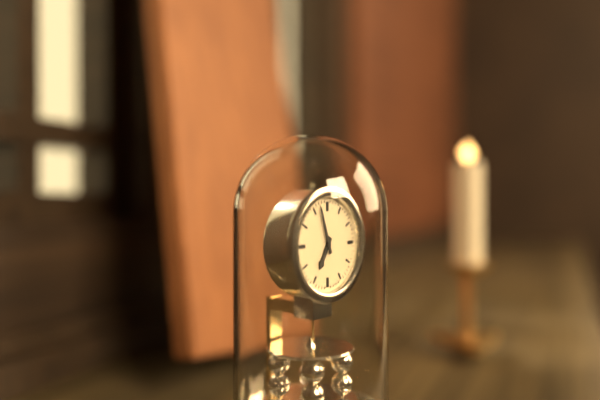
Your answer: **6:57**
